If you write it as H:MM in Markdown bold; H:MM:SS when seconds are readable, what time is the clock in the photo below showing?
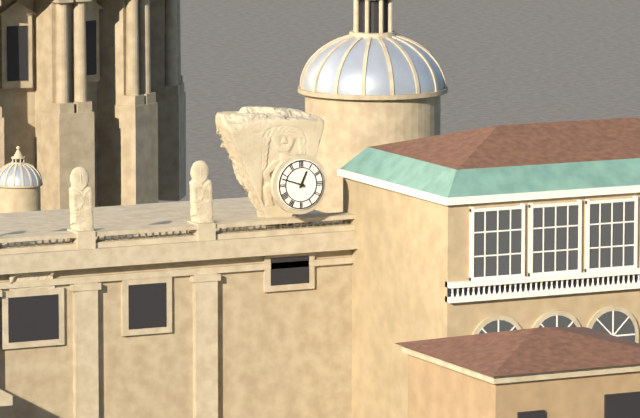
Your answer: **12:48**
